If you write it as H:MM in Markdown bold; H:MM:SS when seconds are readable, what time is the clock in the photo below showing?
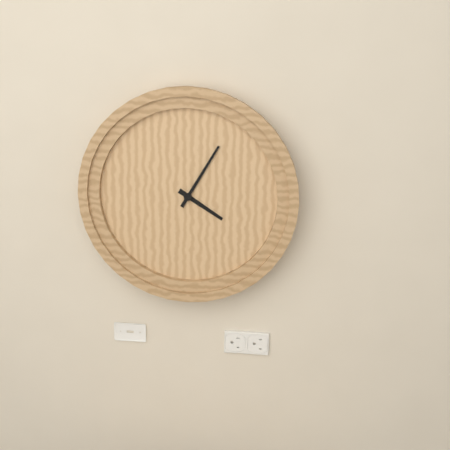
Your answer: **4:05**
